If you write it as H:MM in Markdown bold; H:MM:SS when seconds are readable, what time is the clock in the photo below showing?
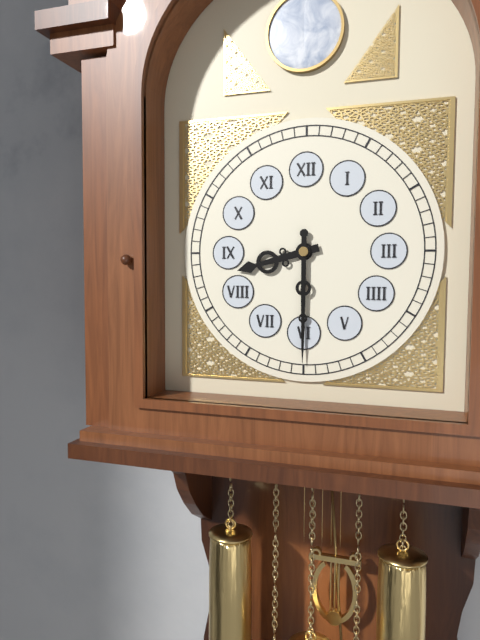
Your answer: **8:30**
